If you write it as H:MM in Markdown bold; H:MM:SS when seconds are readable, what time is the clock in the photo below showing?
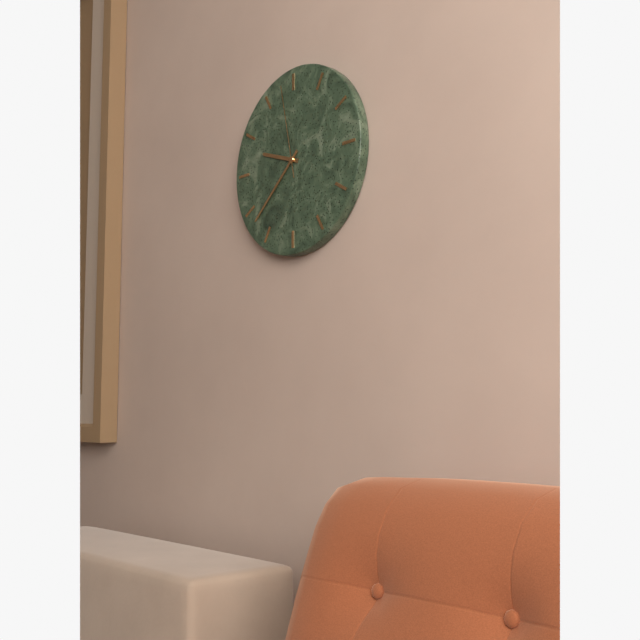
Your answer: **9:38:58**
